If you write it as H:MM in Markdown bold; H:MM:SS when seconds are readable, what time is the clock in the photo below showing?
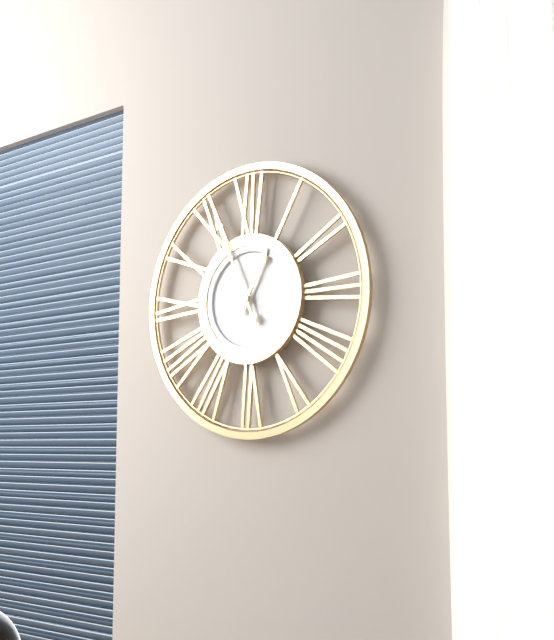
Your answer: **12:56**
